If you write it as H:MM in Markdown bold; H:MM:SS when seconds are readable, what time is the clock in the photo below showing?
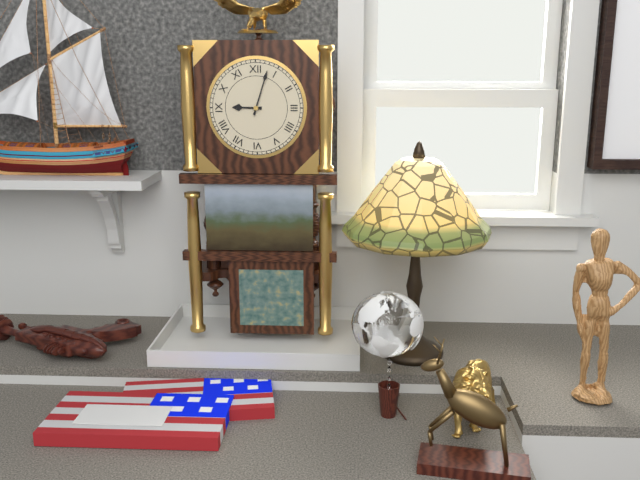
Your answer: **9:03**
